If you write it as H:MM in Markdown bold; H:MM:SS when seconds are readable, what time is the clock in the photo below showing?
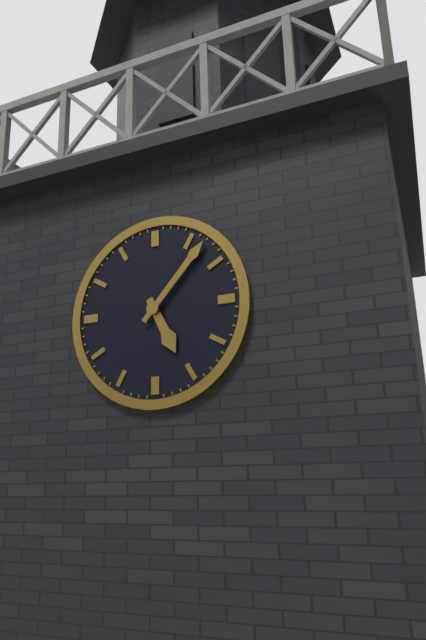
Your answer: **5:07**
